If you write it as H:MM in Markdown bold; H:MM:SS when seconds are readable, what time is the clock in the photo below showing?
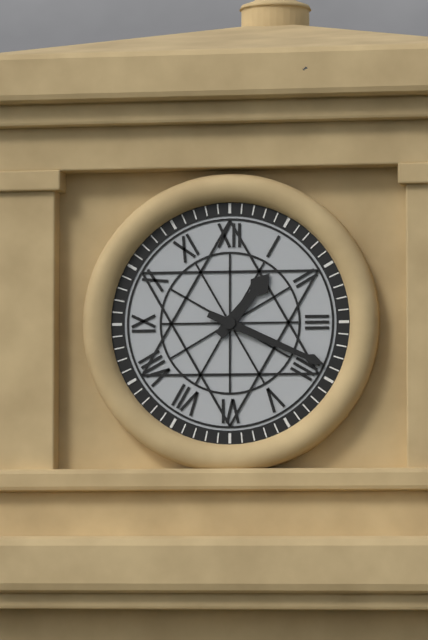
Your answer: **1:19**
